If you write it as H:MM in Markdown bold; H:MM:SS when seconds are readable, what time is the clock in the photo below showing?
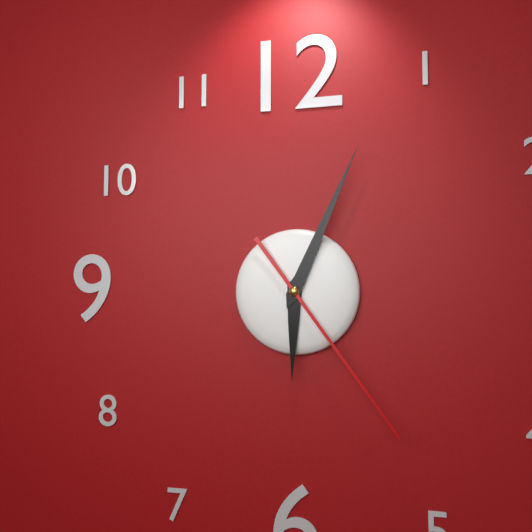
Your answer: **6:04:24**
